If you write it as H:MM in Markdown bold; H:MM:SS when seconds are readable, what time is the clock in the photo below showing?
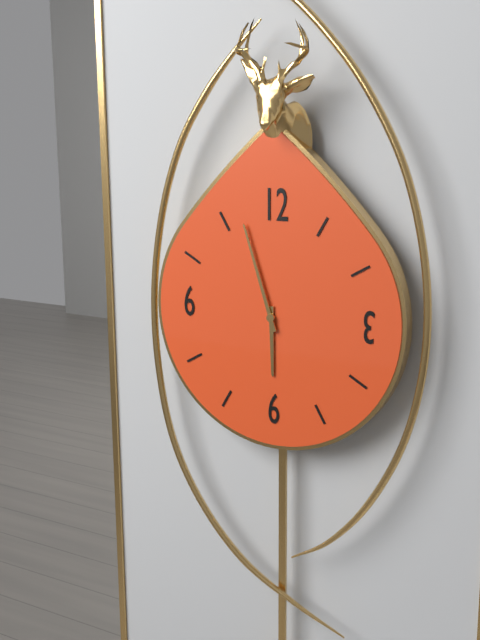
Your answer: **5:57**
